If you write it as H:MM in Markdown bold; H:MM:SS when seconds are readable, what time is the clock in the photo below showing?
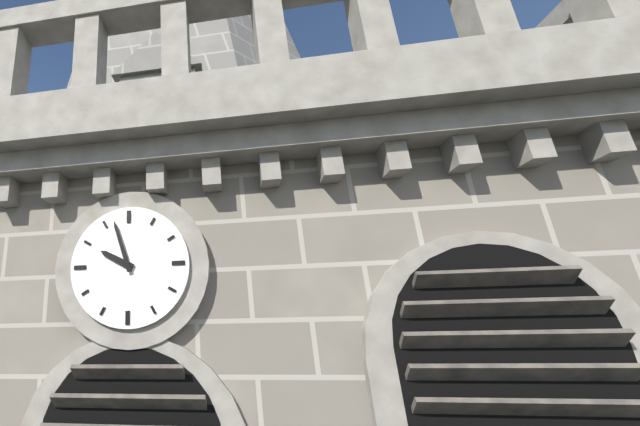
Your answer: **9:57**
